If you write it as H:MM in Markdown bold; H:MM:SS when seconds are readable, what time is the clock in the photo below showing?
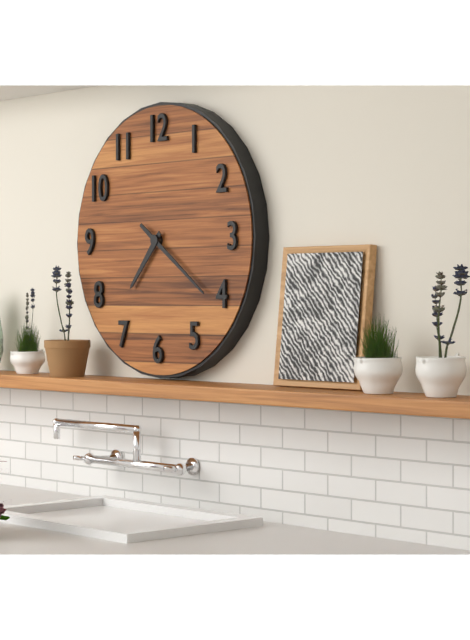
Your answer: **7:21**
